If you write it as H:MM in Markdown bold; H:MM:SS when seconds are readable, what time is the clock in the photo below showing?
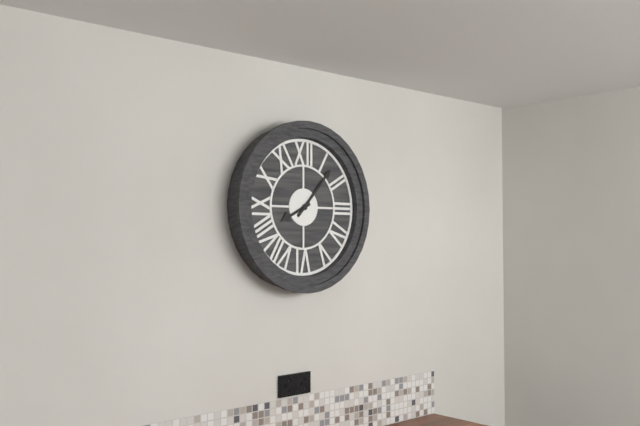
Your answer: **8:07**
